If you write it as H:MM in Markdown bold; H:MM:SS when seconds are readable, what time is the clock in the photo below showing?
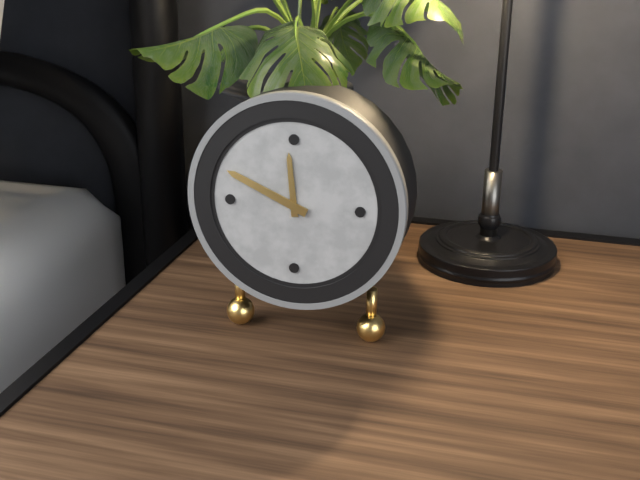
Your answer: **11:49**
